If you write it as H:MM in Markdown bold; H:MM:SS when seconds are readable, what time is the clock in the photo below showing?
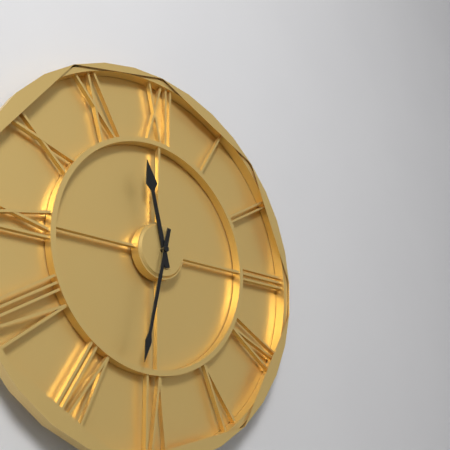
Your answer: **11:32**
